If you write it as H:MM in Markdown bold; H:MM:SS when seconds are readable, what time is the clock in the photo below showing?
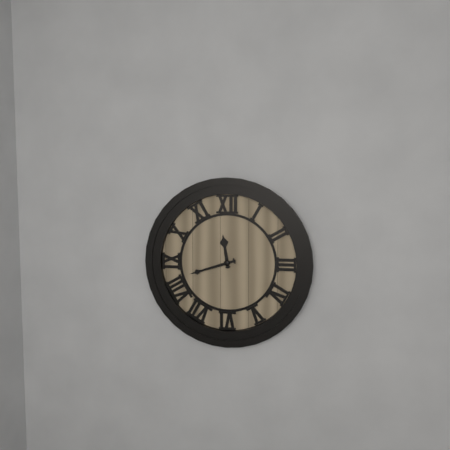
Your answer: **11:42**
